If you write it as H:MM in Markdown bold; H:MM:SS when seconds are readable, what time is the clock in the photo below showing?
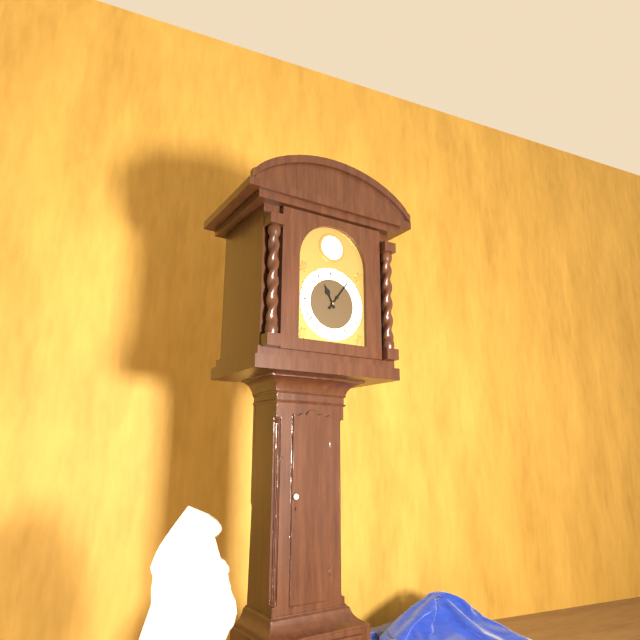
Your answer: **11:06**
